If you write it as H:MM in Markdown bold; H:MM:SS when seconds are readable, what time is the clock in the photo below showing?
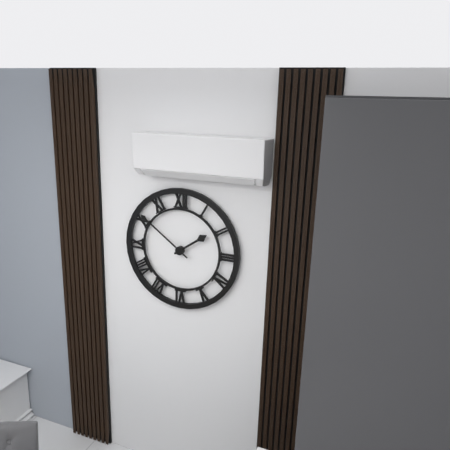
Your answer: **1:51**
